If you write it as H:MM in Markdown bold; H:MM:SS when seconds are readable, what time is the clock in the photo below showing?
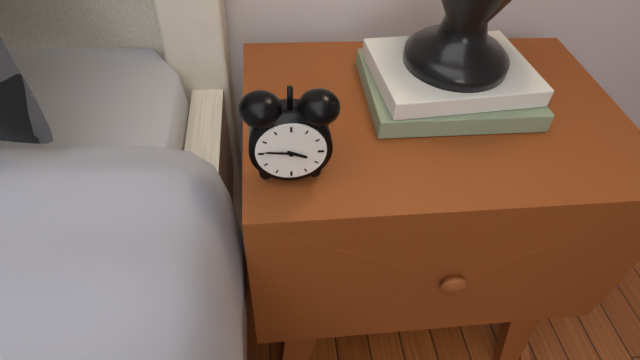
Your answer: **3:46**
